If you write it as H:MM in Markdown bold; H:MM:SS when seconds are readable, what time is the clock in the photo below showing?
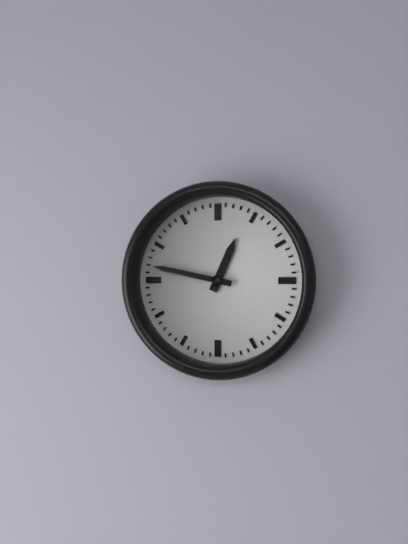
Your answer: **12:47**
